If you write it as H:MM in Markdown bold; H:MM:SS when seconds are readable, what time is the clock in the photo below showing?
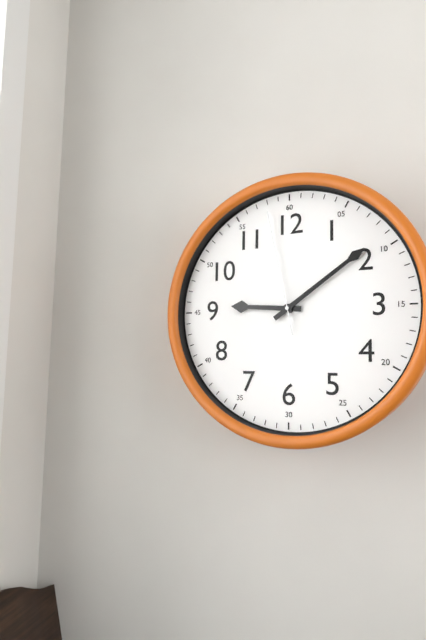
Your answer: **9:09:58**
